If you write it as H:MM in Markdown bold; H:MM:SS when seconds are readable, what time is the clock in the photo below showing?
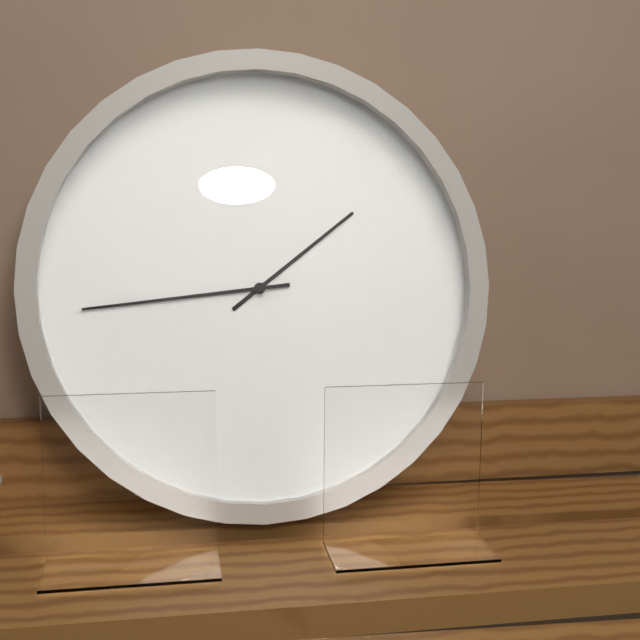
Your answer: **1:44**
